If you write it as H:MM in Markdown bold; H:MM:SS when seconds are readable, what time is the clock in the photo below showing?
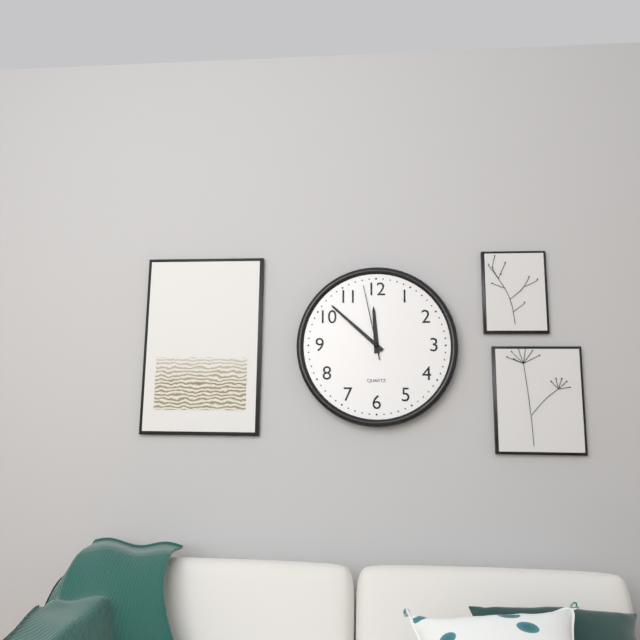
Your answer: **11:52:58**
